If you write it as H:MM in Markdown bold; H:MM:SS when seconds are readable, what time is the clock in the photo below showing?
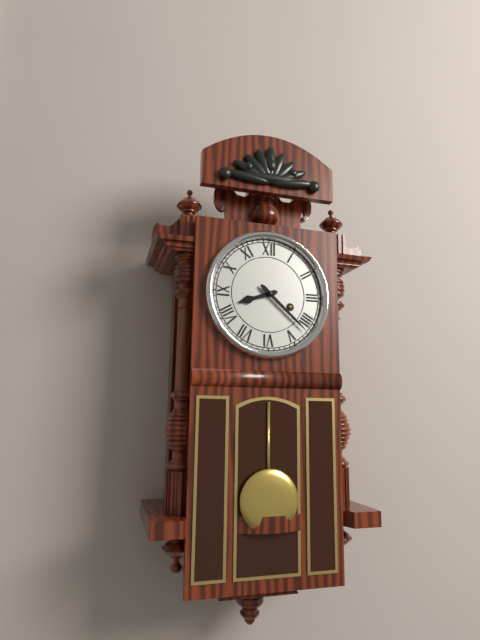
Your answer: **8:22**
